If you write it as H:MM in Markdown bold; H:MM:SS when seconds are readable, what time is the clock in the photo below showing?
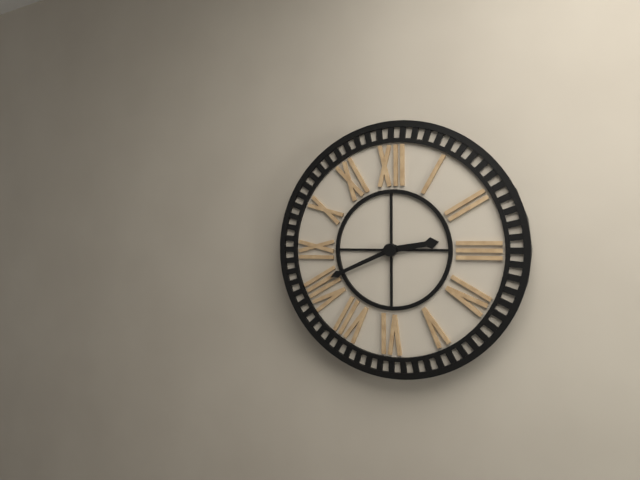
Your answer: **2:41**
